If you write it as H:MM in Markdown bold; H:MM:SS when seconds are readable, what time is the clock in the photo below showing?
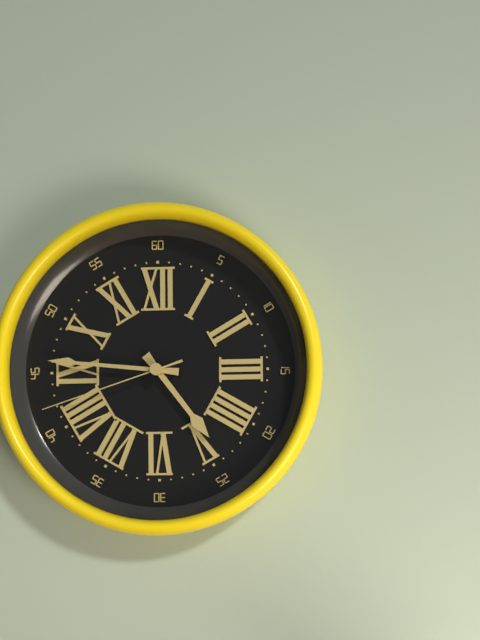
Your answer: **4:46:42**
